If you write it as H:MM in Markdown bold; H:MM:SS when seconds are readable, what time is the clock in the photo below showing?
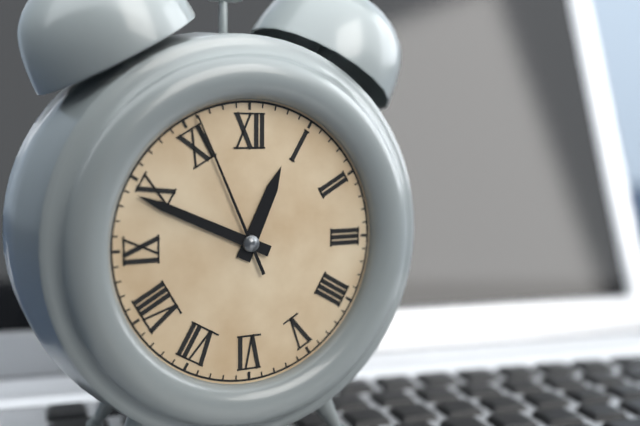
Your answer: **12:49:56**
